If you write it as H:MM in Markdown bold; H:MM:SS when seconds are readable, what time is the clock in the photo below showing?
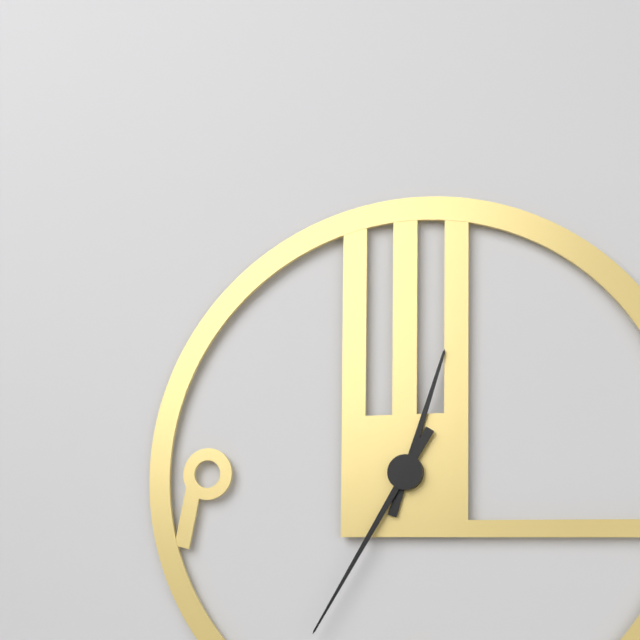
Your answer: **12:35**
